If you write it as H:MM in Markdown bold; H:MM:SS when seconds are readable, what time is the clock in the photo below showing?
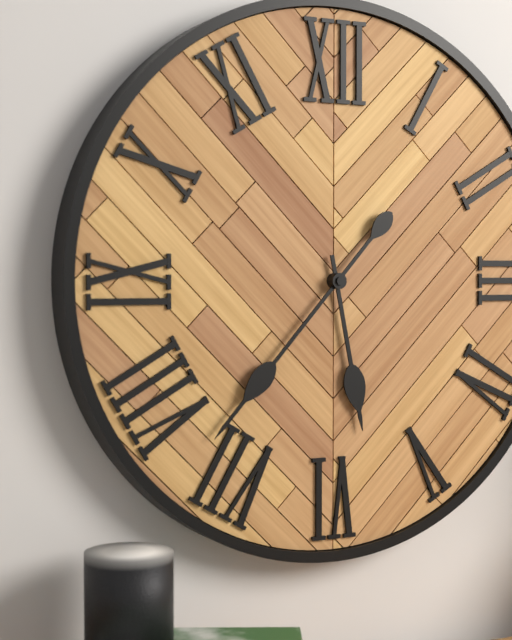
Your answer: **5:37**
